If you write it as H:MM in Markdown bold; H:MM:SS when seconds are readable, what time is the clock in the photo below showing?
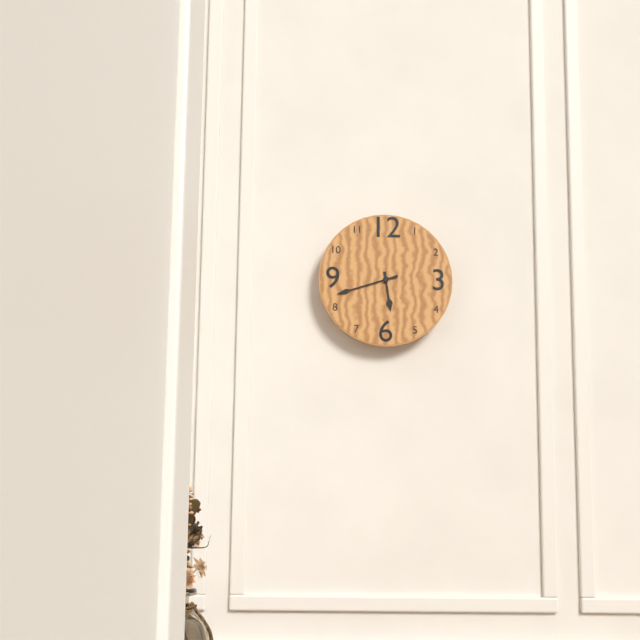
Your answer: **5:42**
